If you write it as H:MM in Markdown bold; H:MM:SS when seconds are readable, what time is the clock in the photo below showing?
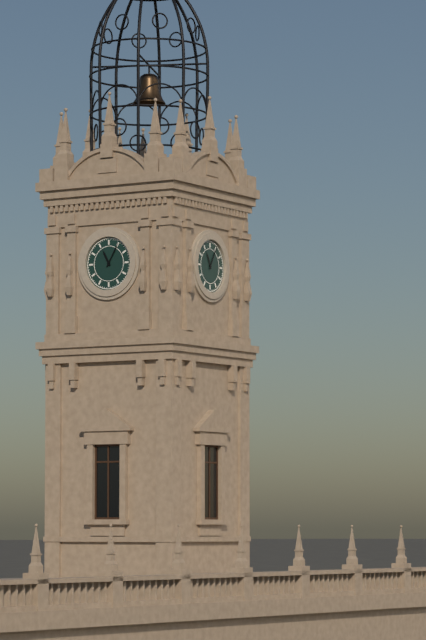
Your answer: **11:05**
